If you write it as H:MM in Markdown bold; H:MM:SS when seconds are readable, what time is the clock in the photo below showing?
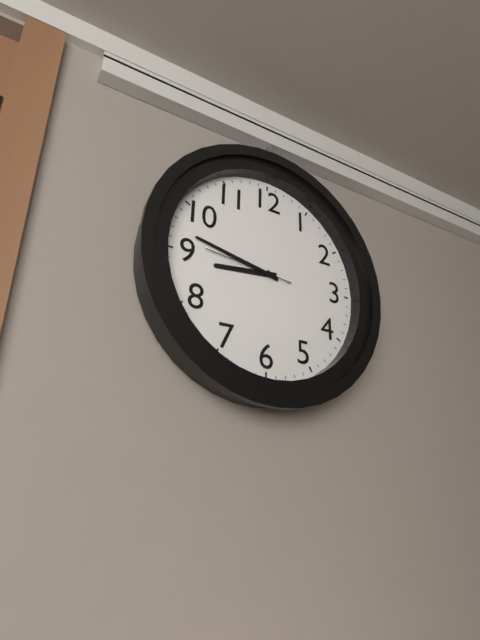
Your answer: **8:47:46**
